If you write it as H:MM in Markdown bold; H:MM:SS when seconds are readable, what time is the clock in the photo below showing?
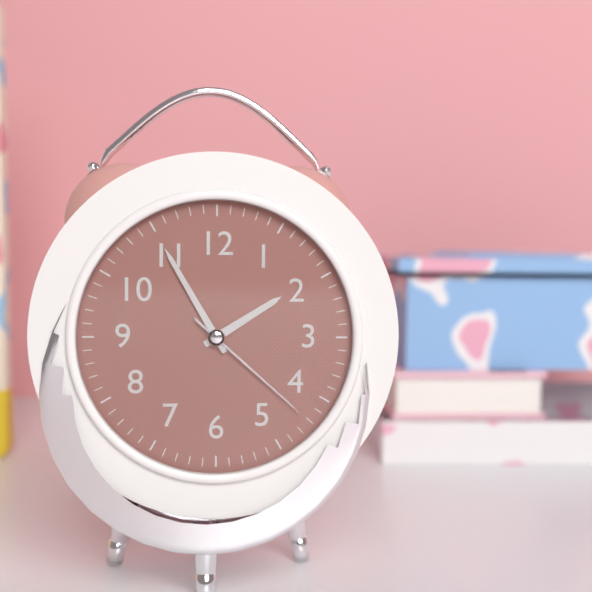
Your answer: **1:55:22**
